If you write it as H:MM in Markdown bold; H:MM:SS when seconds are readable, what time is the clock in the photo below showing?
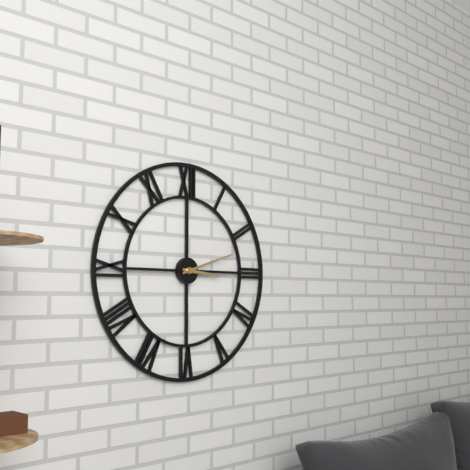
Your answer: **3:12**
